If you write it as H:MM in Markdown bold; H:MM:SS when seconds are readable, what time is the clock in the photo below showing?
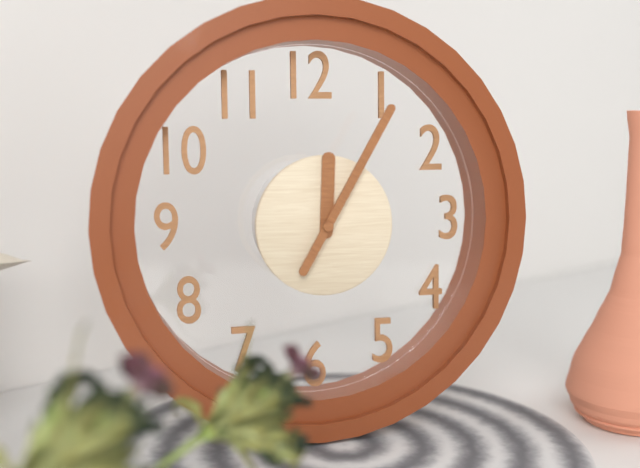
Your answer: **12:05**
